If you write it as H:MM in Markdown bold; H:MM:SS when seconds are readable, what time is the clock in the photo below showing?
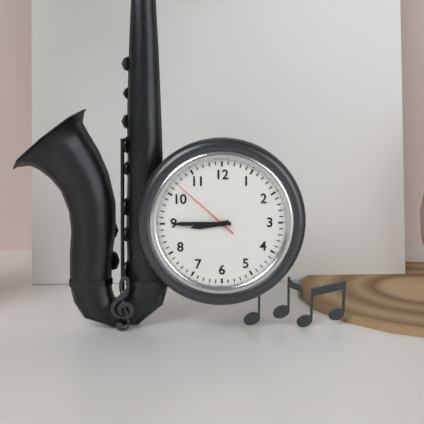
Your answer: **8:45:52**
